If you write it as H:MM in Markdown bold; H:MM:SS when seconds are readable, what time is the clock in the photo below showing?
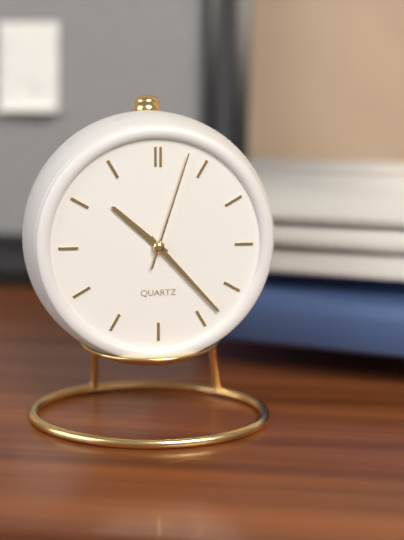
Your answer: **10:23:03**
